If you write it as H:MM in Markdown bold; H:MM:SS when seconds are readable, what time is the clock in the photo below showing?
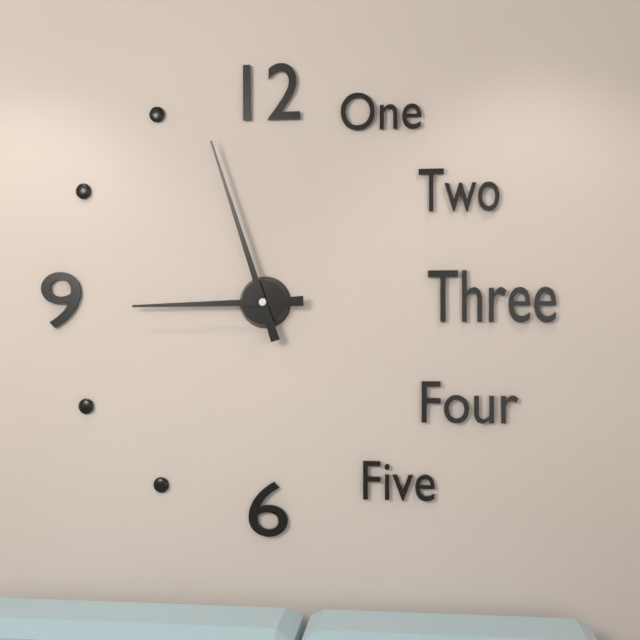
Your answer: **8:57**
